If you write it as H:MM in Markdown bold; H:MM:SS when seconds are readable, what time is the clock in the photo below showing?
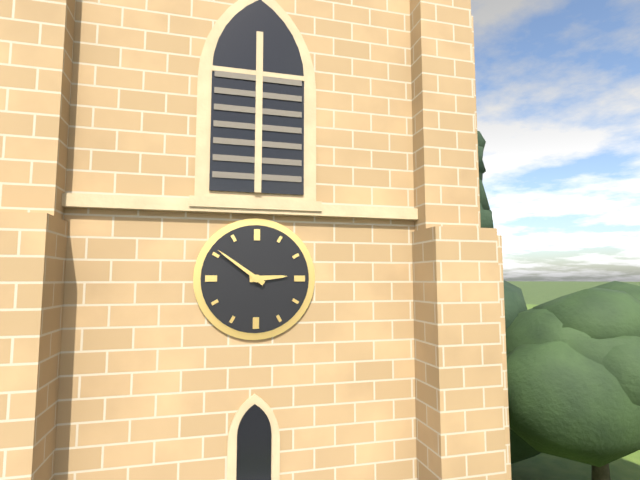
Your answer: **2:51**
